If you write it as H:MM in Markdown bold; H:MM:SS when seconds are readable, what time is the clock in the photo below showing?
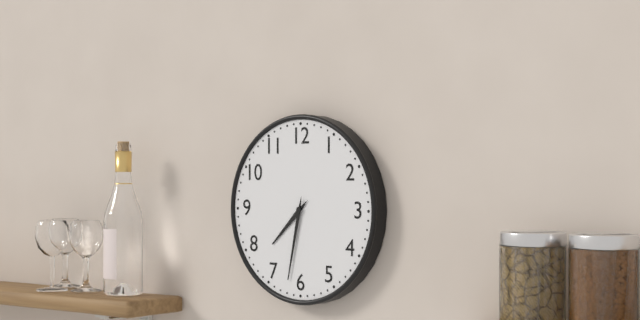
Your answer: **7:32**
